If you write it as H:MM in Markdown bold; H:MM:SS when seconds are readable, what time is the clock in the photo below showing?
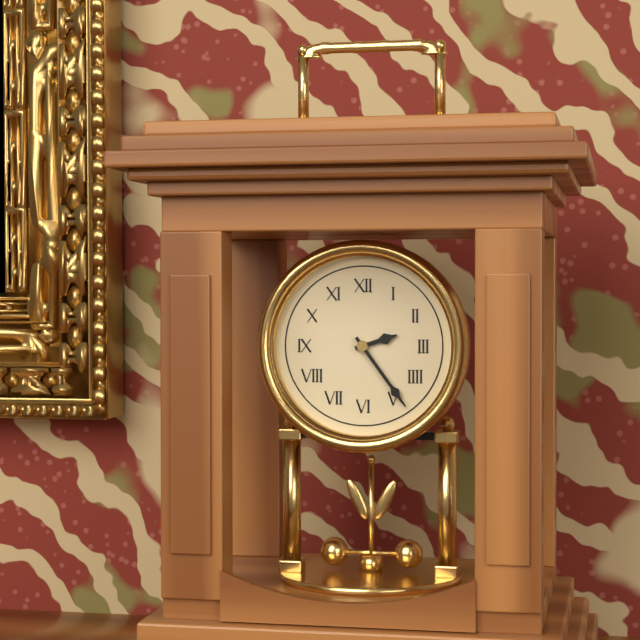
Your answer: **2:24**
